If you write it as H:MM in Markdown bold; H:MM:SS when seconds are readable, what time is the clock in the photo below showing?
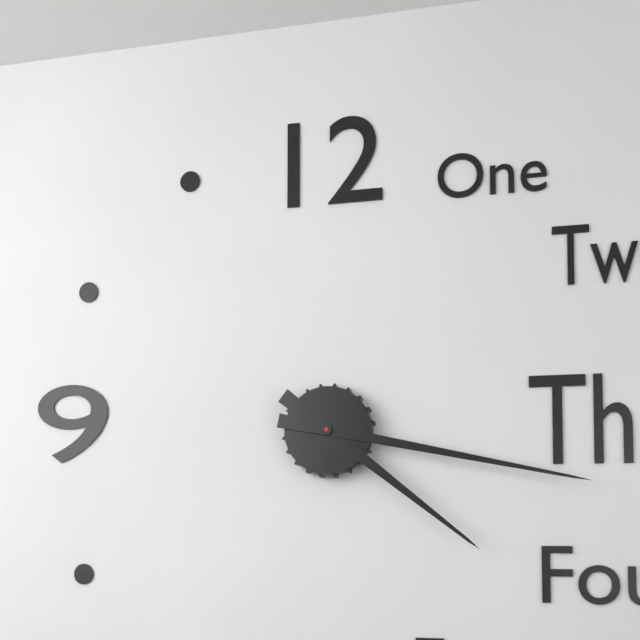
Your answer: **4:17**
